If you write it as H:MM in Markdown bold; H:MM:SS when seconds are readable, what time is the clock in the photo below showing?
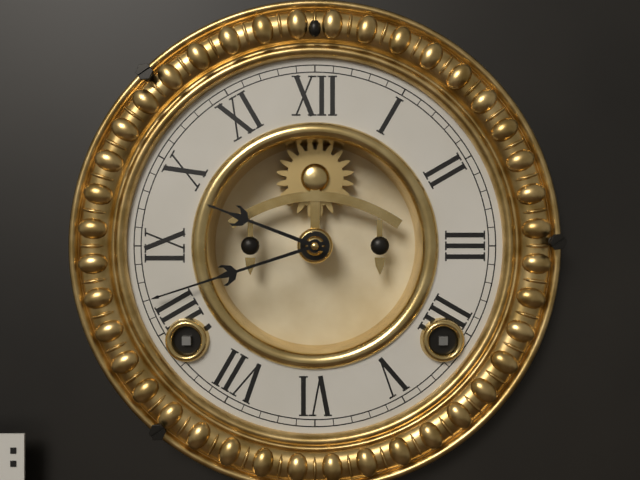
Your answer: **9:42**
